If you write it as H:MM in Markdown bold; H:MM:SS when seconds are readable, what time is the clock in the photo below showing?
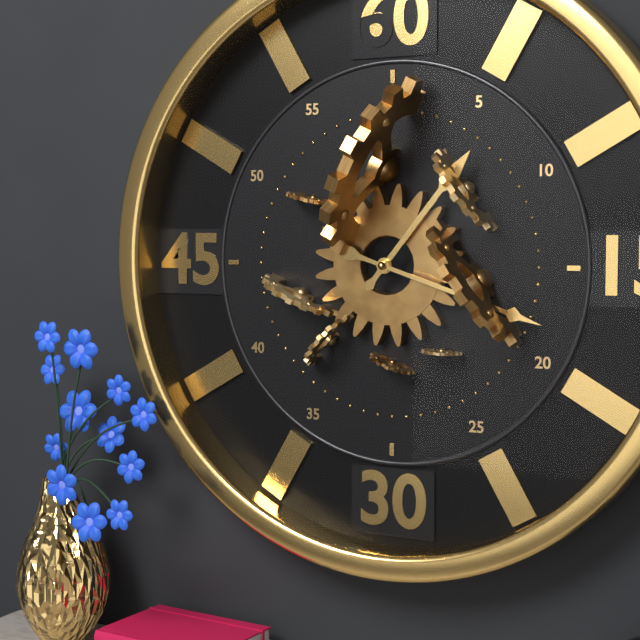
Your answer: **1:18**
